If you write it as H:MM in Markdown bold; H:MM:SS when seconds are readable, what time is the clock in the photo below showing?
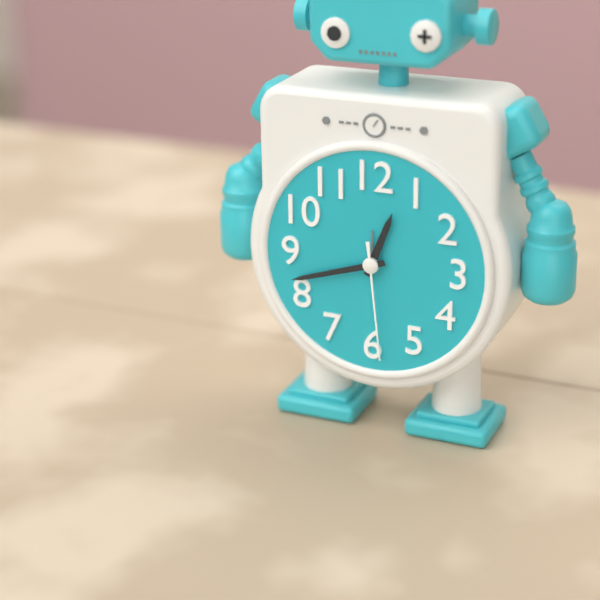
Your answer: **12:42:29**
